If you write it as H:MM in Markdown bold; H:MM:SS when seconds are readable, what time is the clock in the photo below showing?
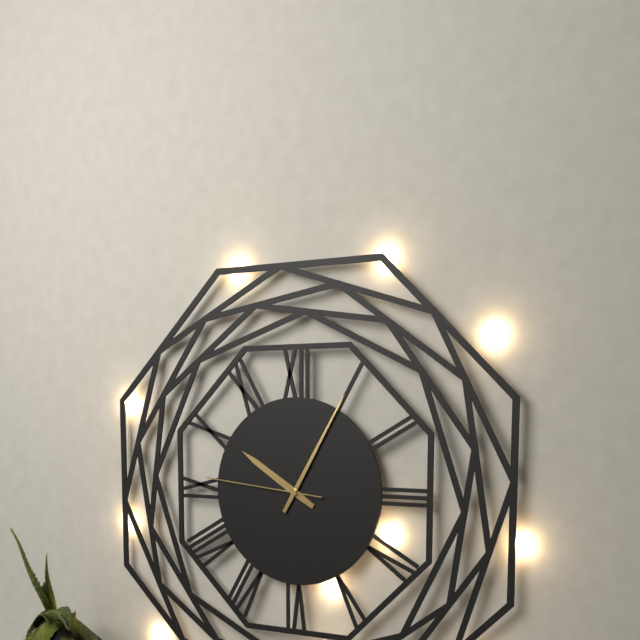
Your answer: **10:05:46**
